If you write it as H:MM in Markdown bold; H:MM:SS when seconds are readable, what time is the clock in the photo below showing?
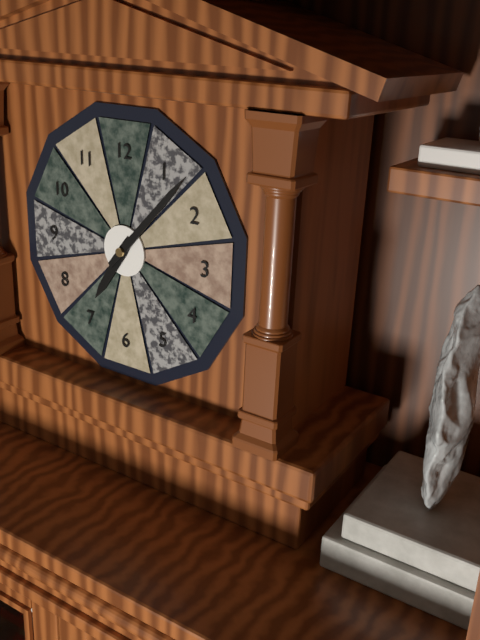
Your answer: **7:07**
